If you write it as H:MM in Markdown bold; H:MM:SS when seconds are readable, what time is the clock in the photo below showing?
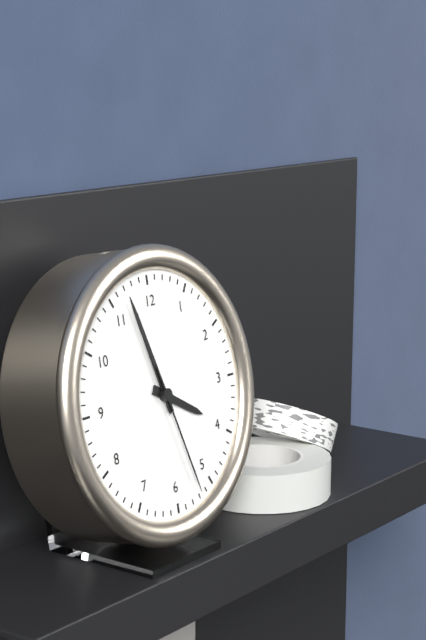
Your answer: **3:57:27**
